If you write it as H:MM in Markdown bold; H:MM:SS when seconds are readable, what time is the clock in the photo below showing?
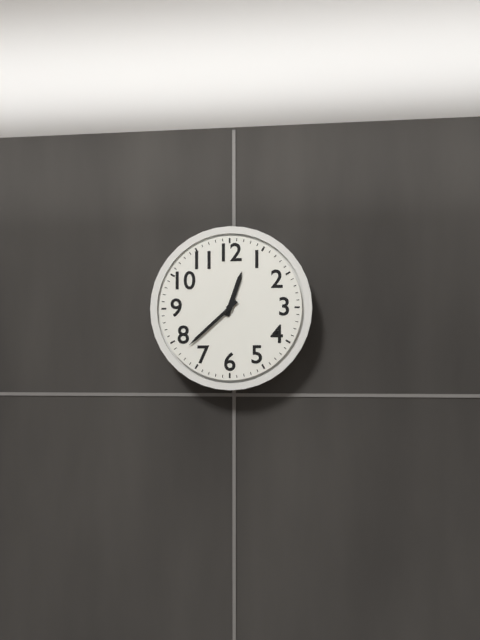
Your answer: **12:38**
